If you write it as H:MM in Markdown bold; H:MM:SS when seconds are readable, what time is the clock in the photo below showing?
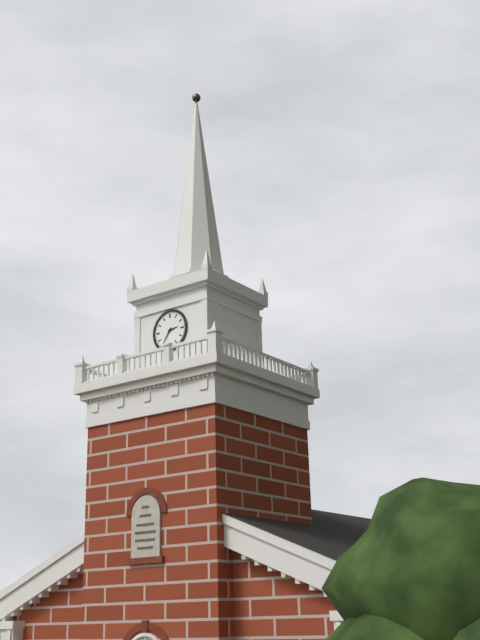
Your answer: **2:36**
